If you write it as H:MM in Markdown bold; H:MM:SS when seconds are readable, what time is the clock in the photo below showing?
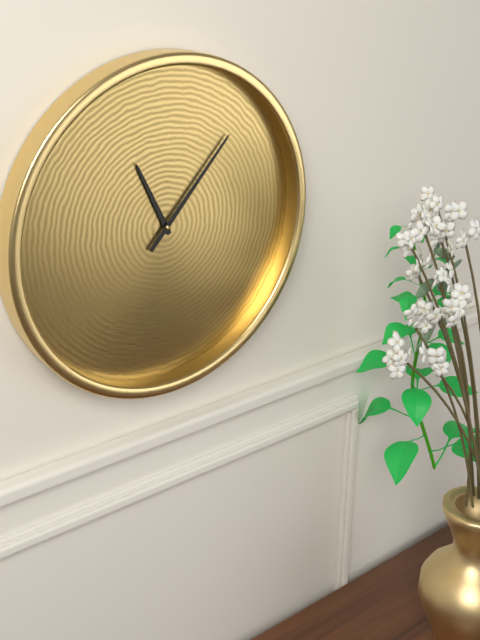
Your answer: **11:07**
